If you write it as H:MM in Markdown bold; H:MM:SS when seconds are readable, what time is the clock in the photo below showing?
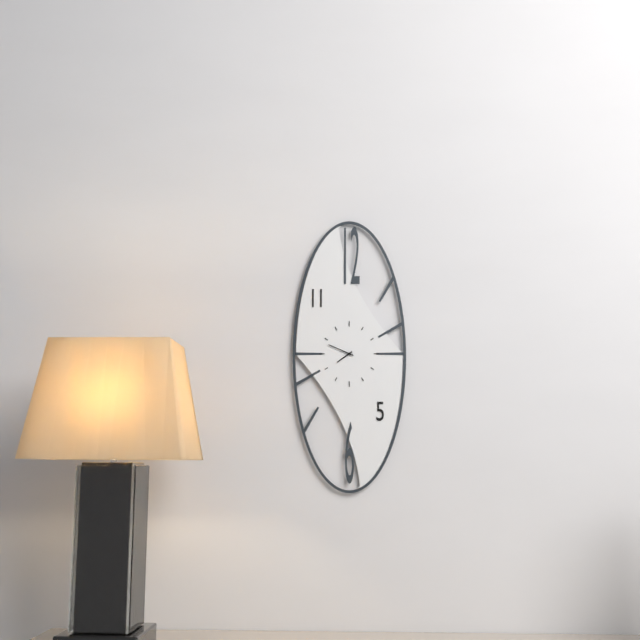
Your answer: **7:49**
